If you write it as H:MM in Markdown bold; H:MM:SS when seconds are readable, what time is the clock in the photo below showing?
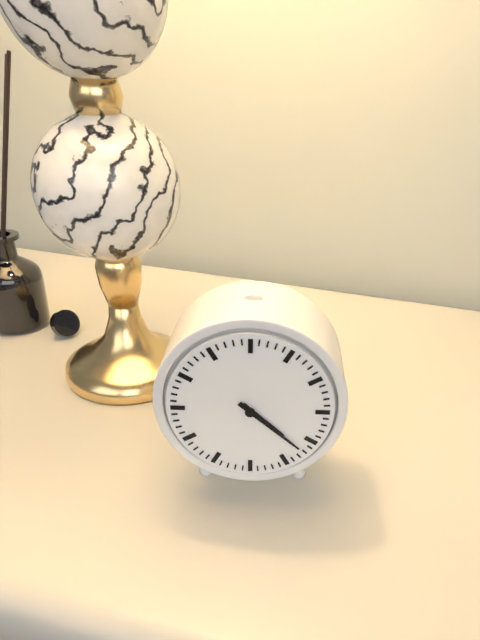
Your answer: **4:22**
